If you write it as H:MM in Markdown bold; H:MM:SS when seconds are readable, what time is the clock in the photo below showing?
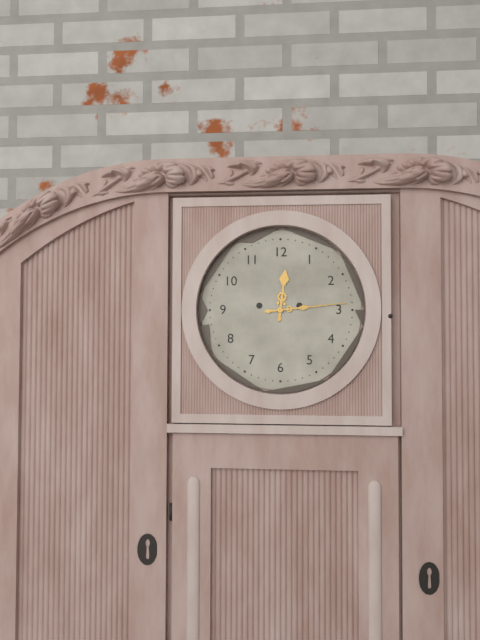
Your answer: **12:14**
